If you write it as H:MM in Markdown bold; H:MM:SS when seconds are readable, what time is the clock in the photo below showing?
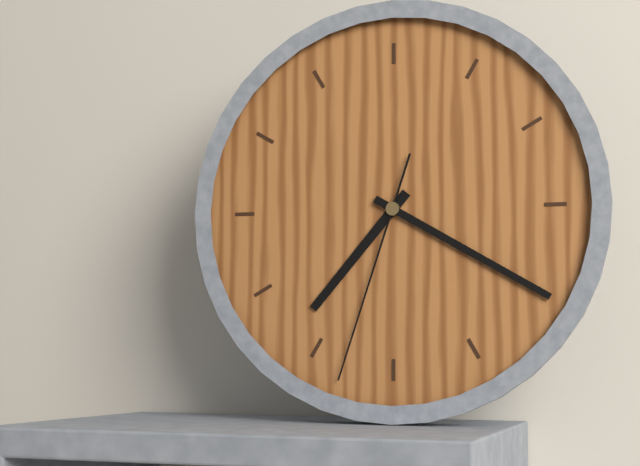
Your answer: **7:20:33**
